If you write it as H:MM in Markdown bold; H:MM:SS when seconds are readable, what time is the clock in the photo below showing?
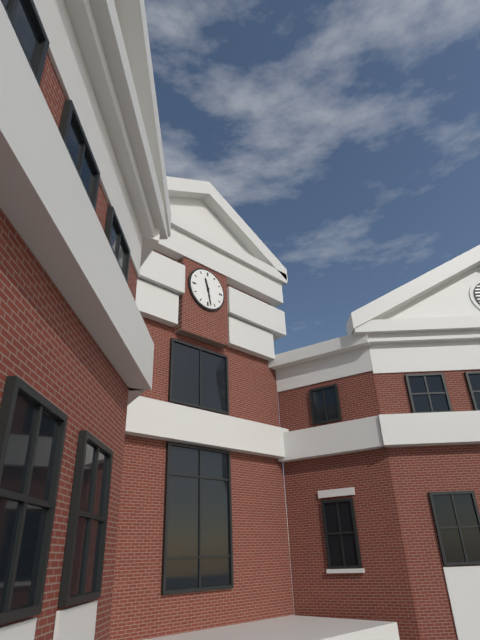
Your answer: **11:28**
